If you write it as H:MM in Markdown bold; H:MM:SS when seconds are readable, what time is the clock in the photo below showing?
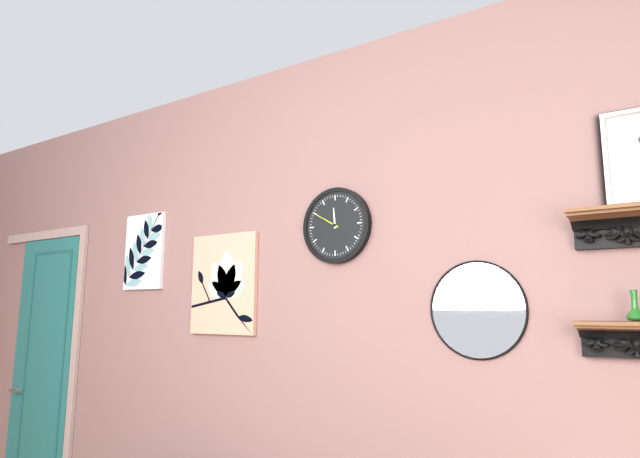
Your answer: **11:50**
